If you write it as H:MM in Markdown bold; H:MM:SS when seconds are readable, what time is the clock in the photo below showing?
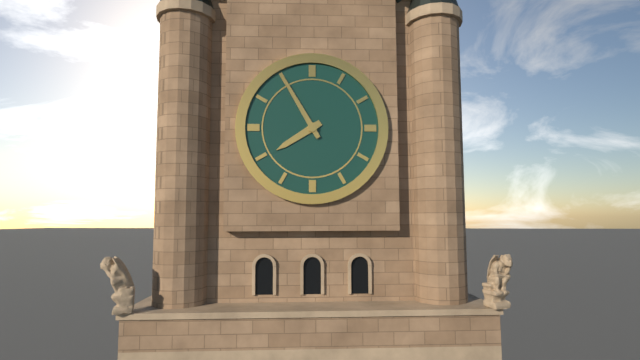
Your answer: **7:55**
